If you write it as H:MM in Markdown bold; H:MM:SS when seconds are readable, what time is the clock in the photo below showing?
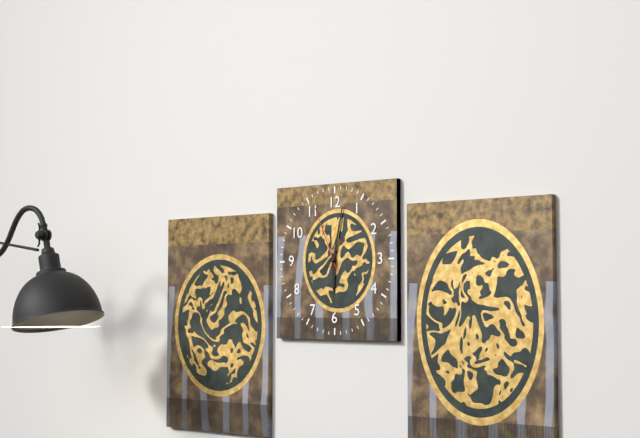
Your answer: **6:02:56**
